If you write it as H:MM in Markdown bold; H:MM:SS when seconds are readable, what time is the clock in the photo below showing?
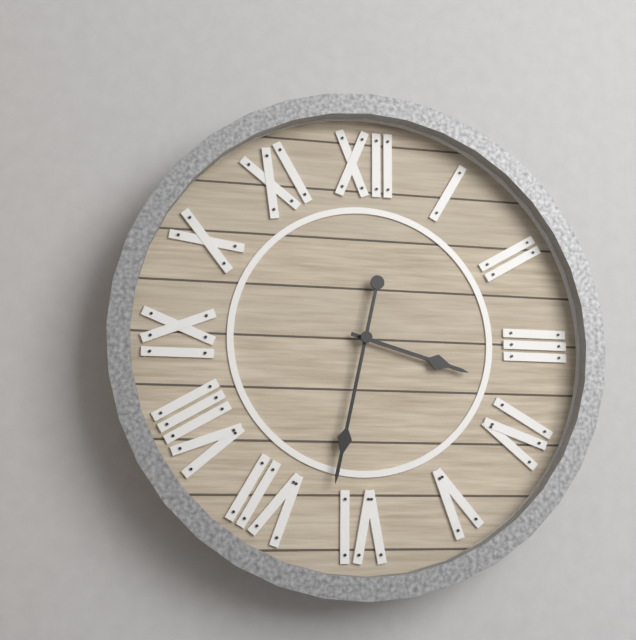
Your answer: **3:32**
